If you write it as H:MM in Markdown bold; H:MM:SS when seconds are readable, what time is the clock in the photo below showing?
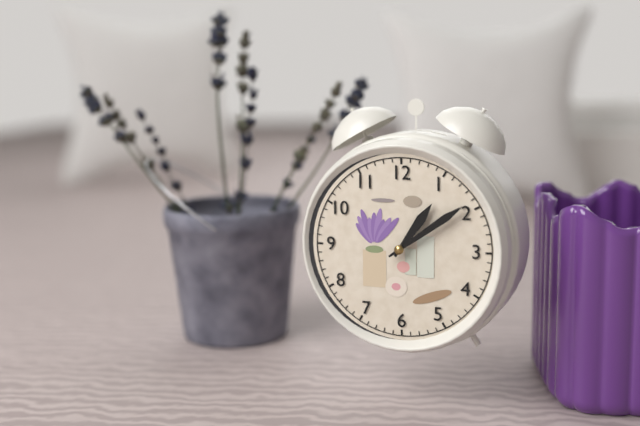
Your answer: **1:09**
